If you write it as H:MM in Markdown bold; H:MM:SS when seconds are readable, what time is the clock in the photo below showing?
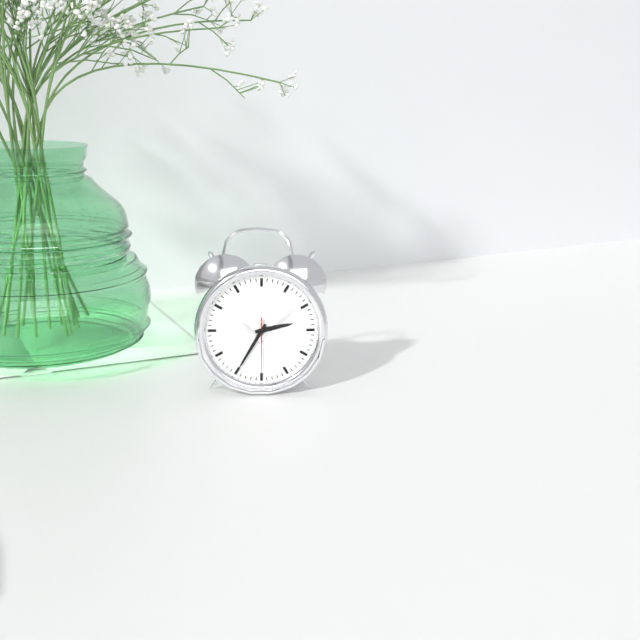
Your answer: **2:35:30**
